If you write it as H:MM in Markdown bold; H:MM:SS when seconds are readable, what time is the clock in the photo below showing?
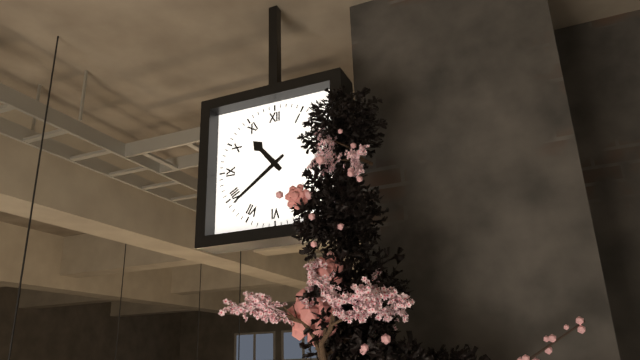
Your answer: **10:39**
